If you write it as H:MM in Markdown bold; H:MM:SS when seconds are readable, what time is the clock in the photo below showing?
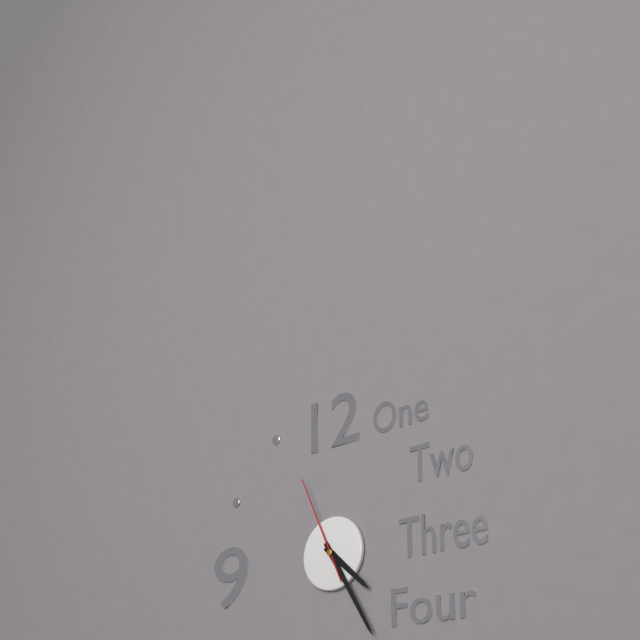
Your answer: **4:25:56**
